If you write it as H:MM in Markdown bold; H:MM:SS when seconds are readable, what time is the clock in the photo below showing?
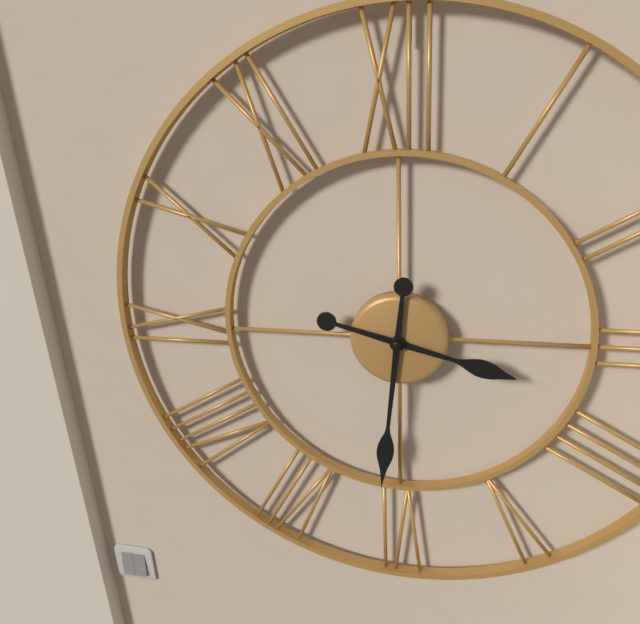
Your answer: **3:31**
